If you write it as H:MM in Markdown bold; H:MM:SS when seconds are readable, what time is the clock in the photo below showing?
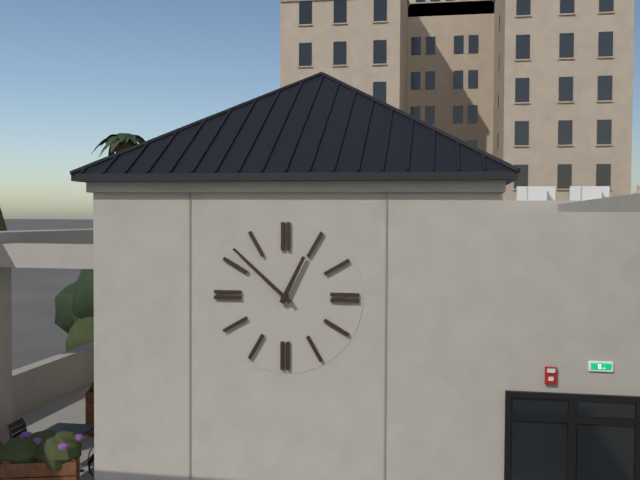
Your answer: **12:52**
